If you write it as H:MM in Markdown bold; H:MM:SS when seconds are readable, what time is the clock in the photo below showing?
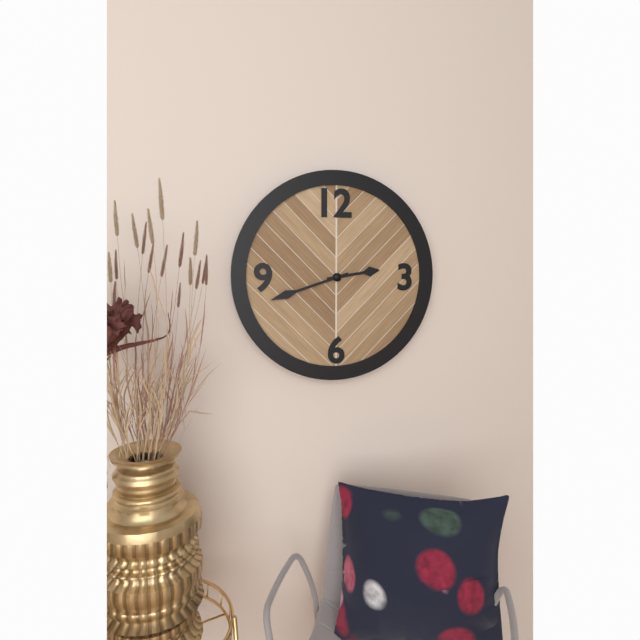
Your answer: **2:42**
